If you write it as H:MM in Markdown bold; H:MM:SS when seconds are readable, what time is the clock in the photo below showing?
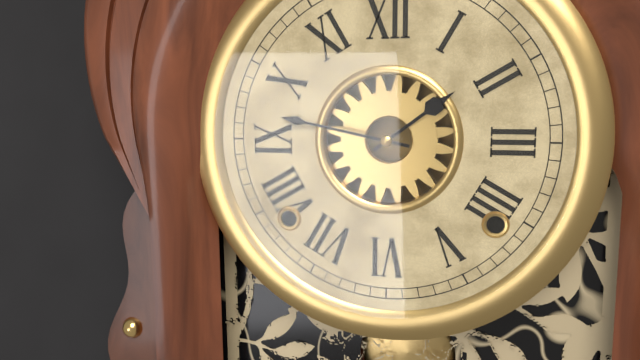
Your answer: **1:47**
